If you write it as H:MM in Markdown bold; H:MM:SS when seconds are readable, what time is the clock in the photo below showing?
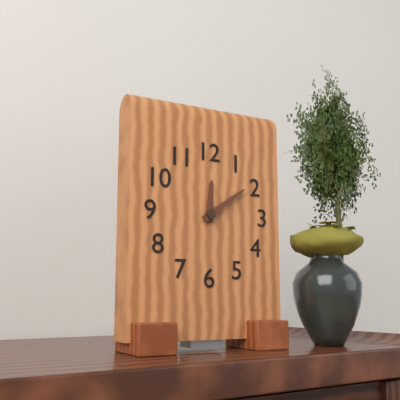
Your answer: **12:09**
